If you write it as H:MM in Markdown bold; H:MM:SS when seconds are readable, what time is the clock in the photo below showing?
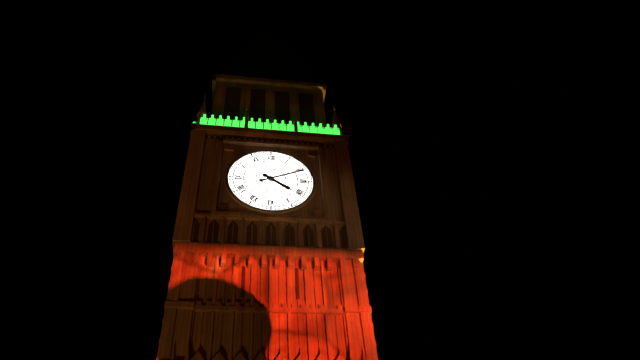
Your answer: **4:11**
